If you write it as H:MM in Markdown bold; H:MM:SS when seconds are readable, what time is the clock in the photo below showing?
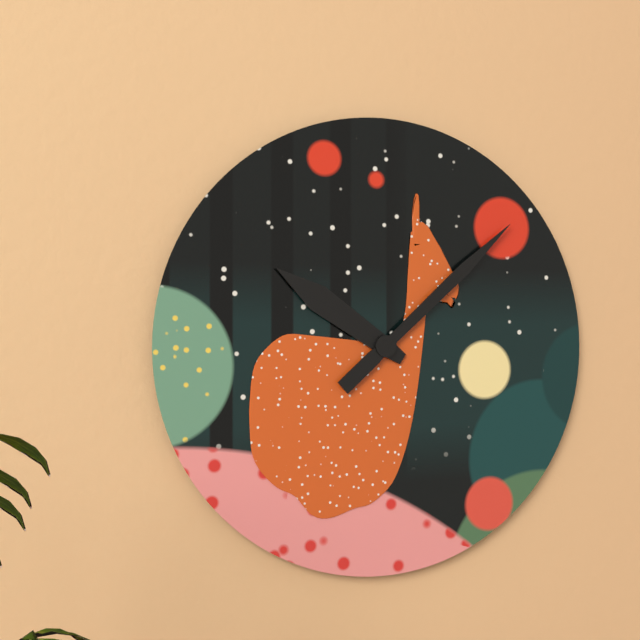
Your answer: **10:08**
